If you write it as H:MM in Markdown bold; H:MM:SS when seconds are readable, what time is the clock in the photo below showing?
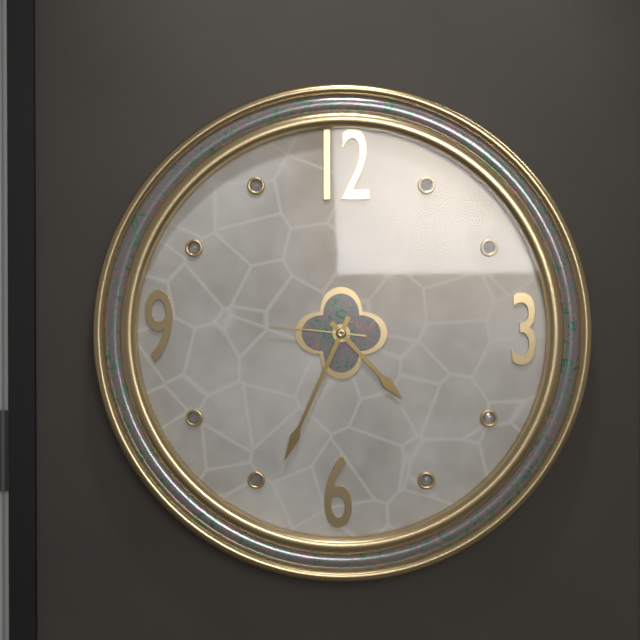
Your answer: **4:34:46**
